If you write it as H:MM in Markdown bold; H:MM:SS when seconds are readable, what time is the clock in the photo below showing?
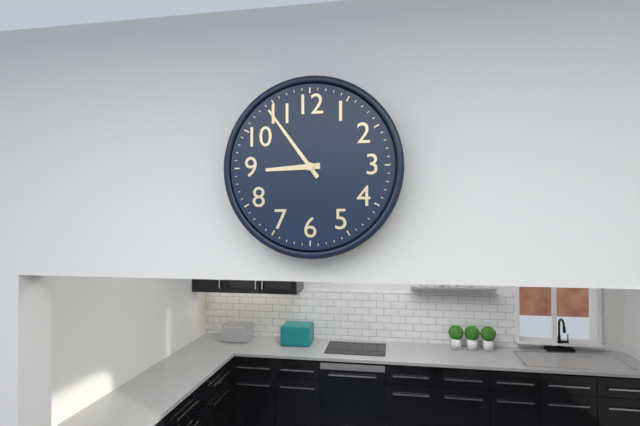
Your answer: **8:54**
